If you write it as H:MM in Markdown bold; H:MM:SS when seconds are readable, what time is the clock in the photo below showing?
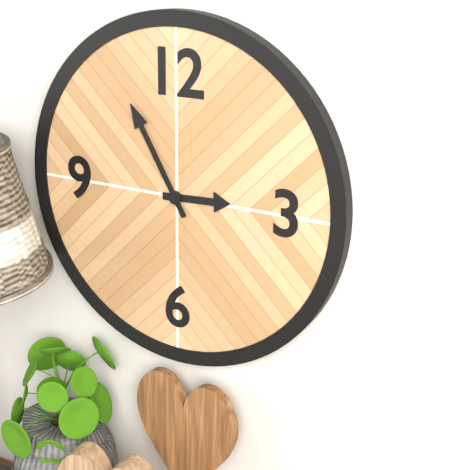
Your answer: **2:55**
